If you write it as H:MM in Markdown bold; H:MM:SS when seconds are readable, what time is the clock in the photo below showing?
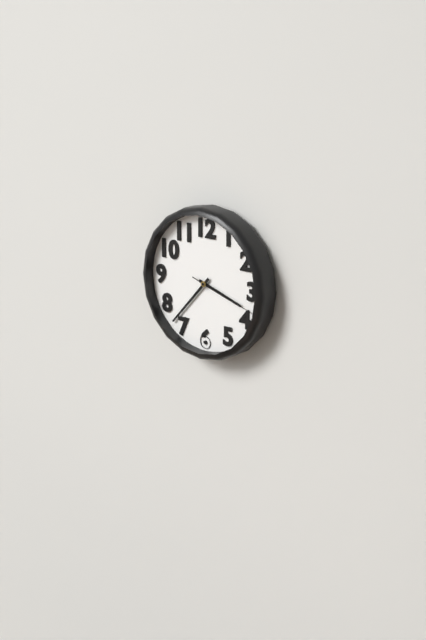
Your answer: **3:37:18**
